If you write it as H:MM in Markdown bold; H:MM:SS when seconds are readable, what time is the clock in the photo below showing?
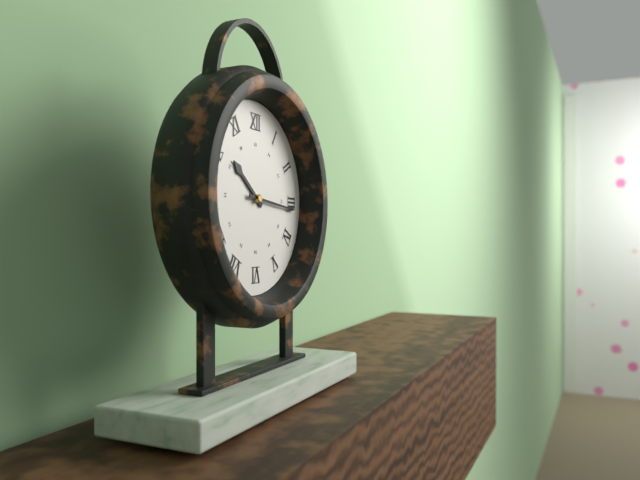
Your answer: **10:16**
